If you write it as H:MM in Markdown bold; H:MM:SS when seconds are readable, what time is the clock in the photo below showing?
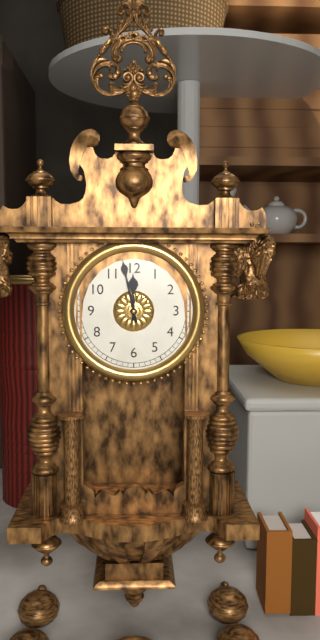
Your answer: **11:58**
